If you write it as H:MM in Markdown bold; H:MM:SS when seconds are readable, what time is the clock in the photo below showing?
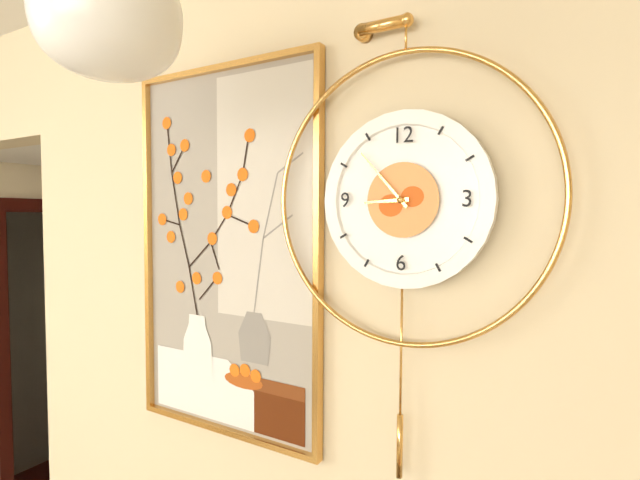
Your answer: **8:53**
